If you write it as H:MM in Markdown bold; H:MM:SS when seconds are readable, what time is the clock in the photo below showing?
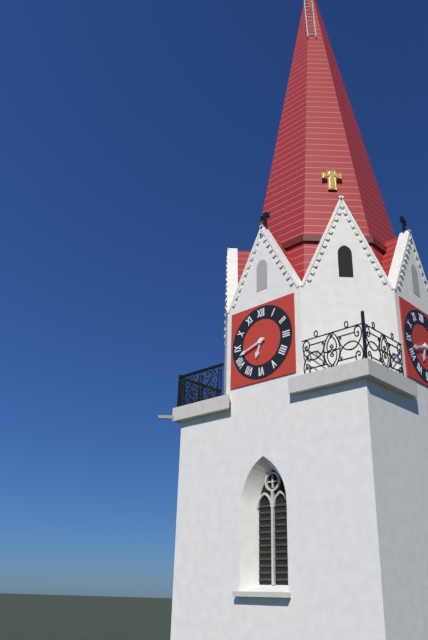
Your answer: **6:42**
